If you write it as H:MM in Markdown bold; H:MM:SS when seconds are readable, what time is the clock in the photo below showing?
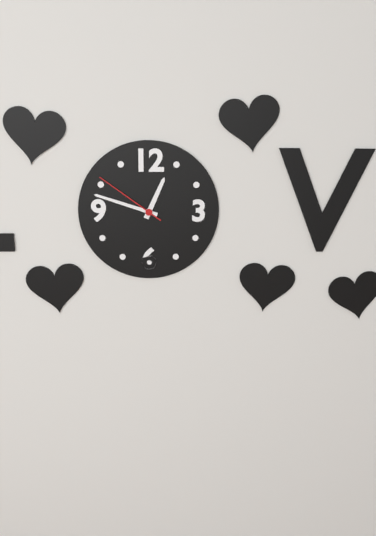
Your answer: **12:48:51**
